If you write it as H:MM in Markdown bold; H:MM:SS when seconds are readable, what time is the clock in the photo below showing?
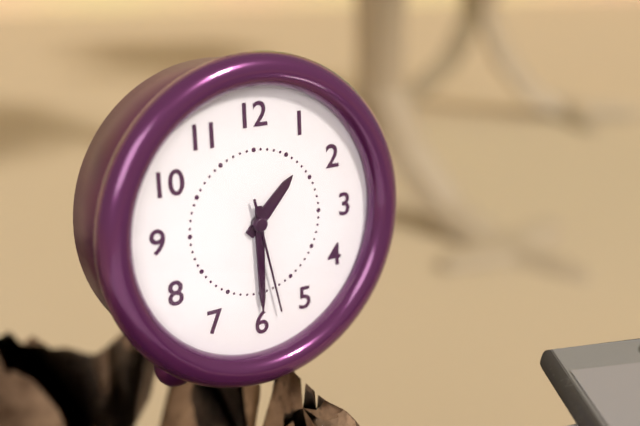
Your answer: **1:30:28**
